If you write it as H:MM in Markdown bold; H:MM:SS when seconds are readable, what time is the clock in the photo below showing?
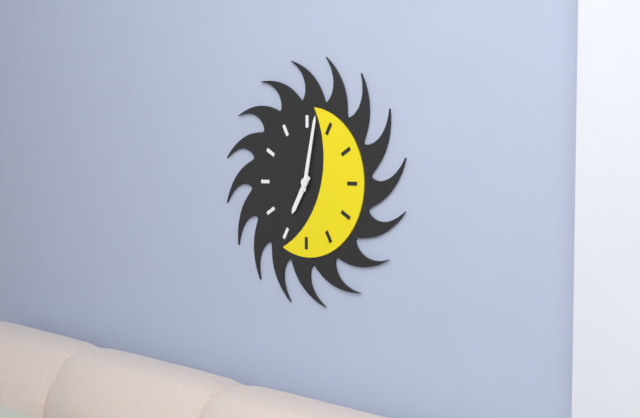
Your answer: **7:02**
